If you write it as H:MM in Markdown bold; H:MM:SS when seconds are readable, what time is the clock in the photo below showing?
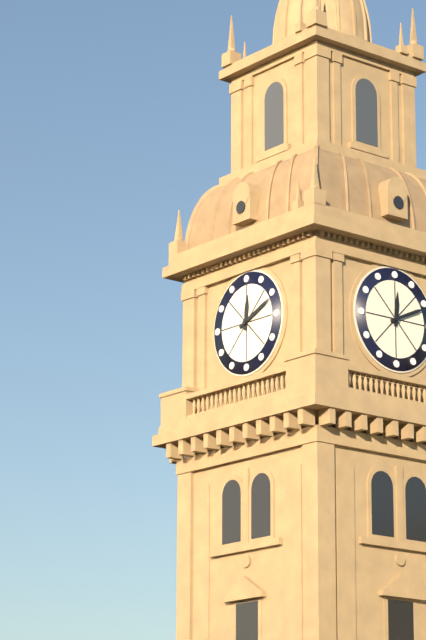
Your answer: **12:11**
